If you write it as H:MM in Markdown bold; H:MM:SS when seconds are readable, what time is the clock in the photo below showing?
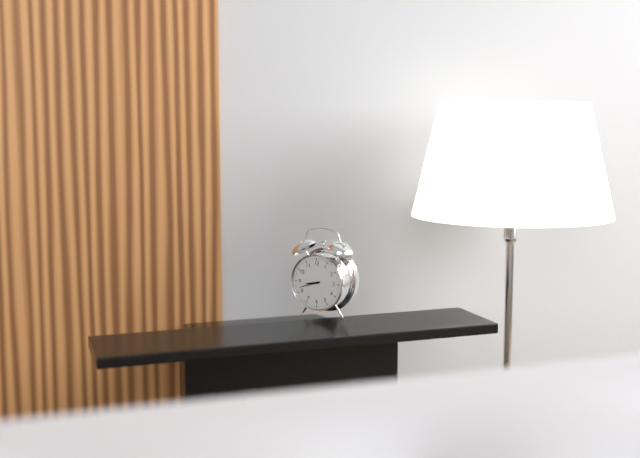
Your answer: **8:42**
